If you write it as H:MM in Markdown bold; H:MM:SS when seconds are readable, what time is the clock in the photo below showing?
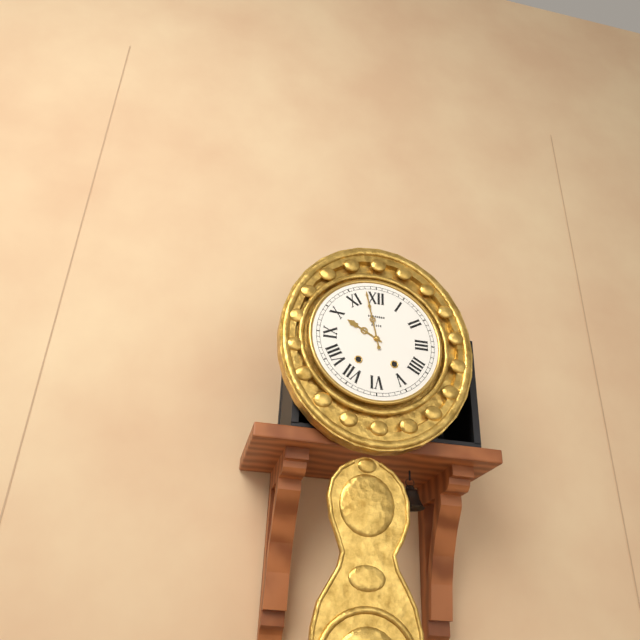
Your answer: **9:58**
